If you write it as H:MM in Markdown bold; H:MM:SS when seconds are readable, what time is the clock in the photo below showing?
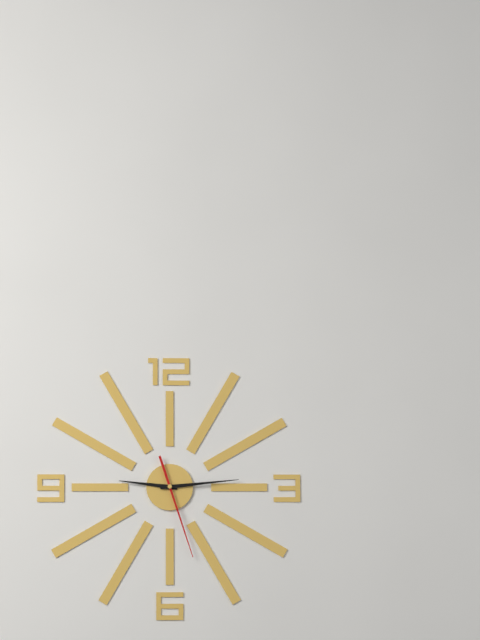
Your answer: **9:14:27**
